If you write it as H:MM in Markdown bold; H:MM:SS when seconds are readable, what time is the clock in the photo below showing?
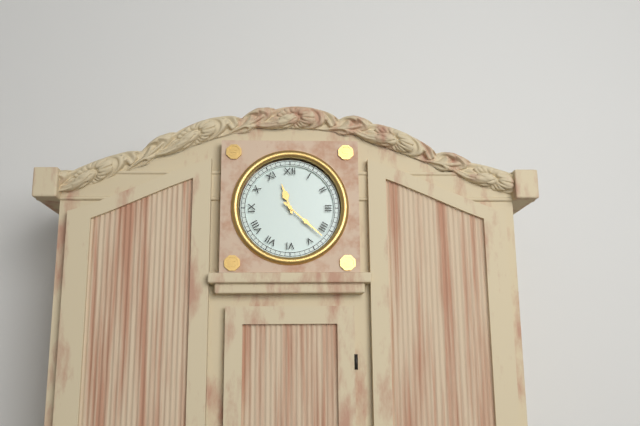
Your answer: **11:22**
